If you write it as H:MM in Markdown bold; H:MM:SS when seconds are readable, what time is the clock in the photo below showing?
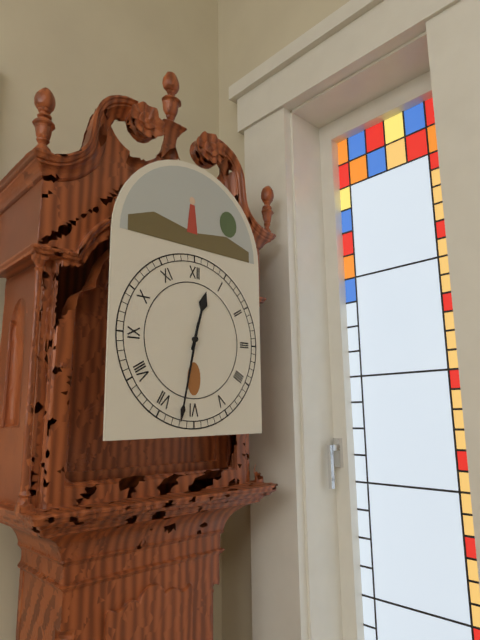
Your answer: **12:32**
